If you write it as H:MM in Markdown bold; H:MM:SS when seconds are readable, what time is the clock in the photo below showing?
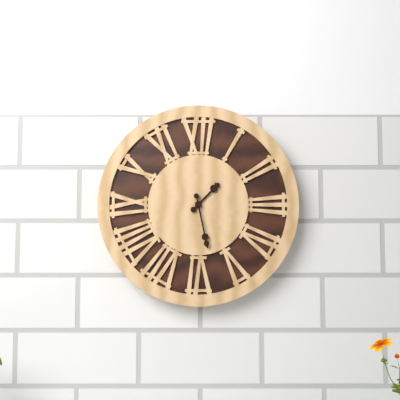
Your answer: **1:28**
